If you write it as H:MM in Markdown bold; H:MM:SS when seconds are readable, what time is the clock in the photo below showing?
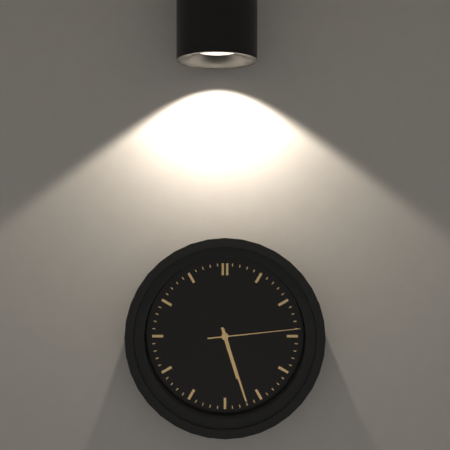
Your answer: **5:27:14**
